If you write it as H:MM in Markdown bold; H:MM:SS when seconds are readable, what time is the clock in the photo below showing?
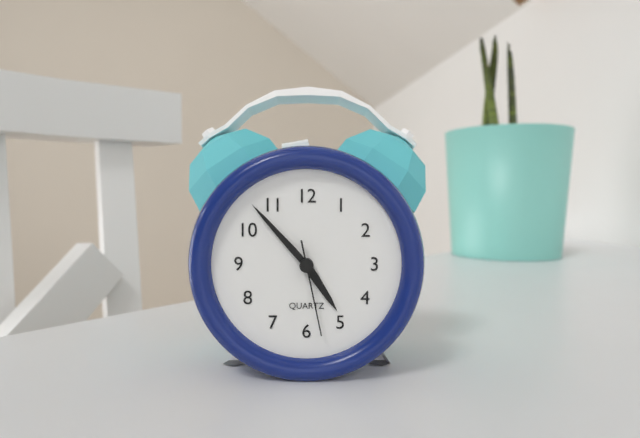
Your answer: **4:53:28**
